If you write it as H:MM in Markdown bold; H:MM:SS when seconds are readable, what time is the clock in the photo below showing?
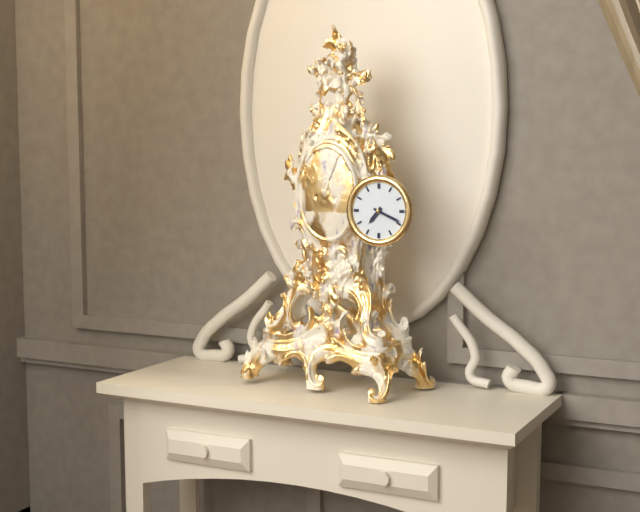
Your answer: **7:19**
